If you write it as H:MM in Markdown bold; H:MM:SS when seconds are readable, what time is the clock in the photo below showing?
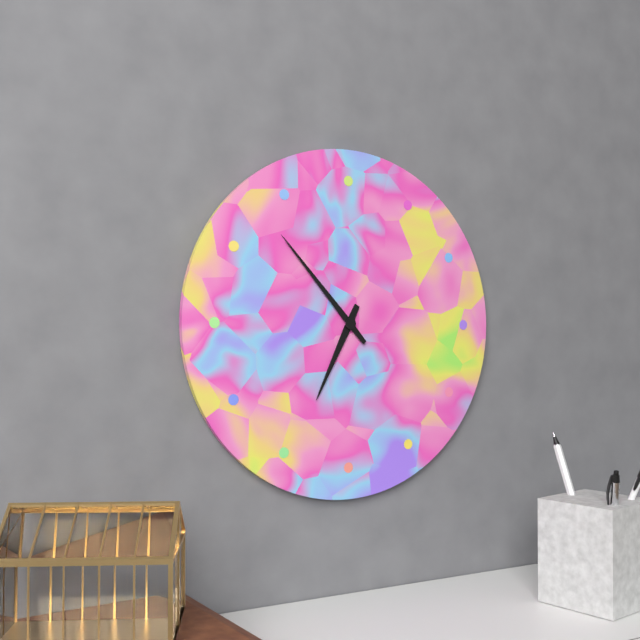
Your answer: **6:53**
